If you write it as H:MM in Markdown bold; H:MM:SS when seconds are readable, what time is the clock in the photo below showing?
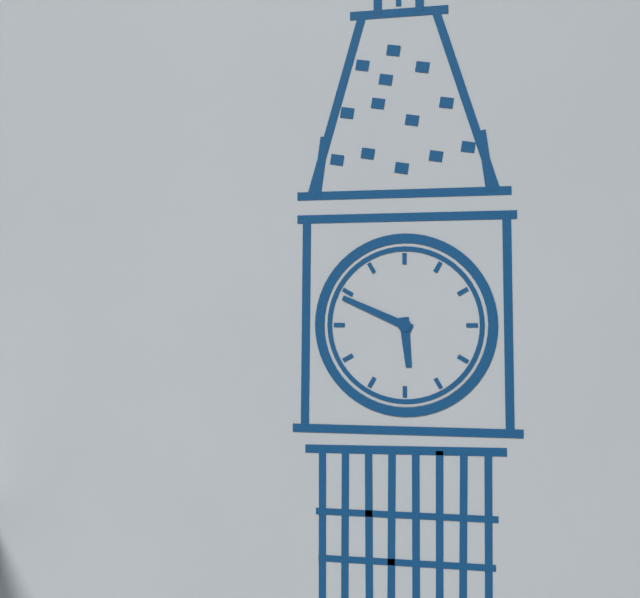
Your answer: **5:49**
